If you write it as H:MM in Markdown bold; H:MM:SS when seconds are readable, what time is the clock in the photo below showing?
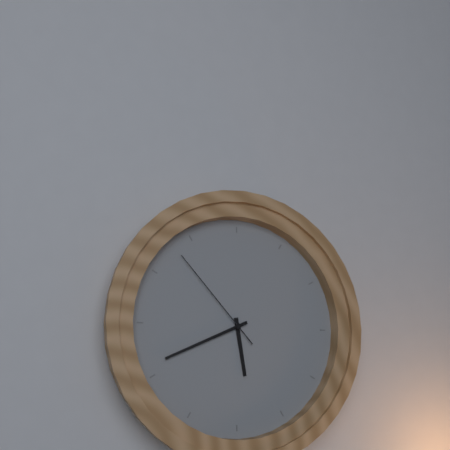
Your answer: **5:41:53**
